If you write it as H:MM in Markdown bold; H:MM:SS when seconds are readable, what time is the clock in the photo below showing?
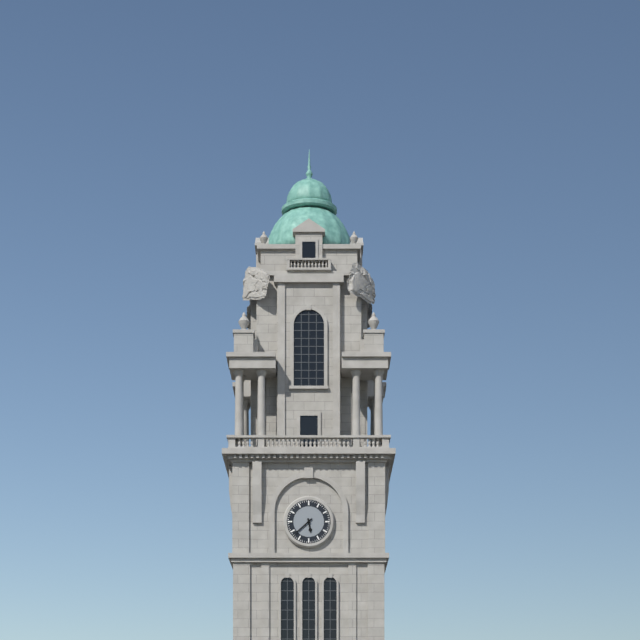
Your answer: **5:38**
